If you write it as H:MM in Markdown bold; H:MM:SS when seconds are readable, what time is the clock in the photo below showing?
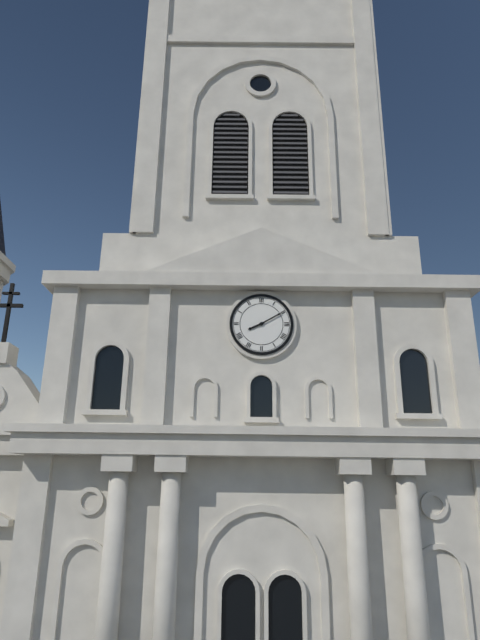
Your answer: **8:10**
